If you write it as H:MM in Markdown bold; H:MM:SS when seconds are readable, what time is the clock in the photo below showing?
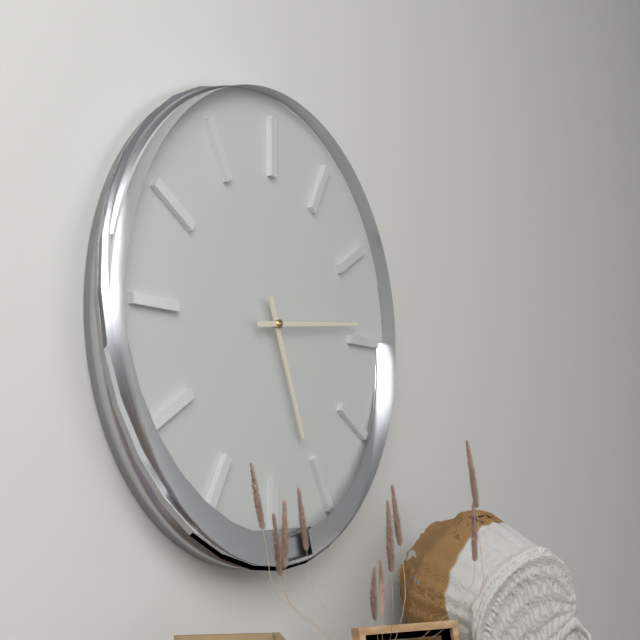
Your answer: **5:14**
